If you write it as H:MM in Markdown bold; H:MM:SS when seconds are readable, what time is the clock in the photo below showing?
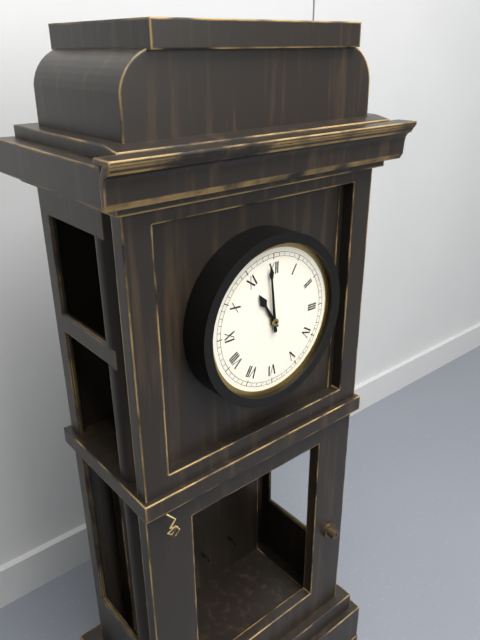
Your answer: **10:59**
